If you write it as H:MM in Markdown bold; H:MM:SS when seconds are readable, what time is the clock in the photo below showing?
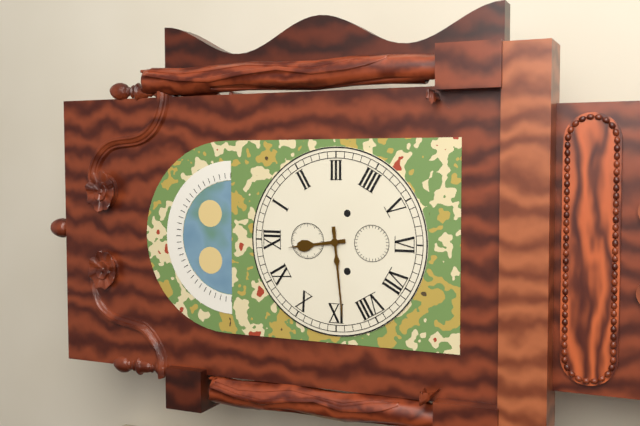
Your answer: **11:44**
